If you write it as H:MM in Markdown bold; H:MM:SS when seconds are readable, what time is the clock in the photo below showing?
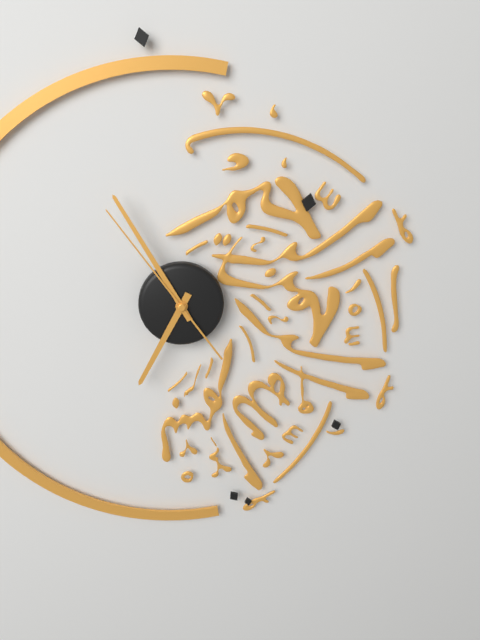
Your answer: **6:55:54**
